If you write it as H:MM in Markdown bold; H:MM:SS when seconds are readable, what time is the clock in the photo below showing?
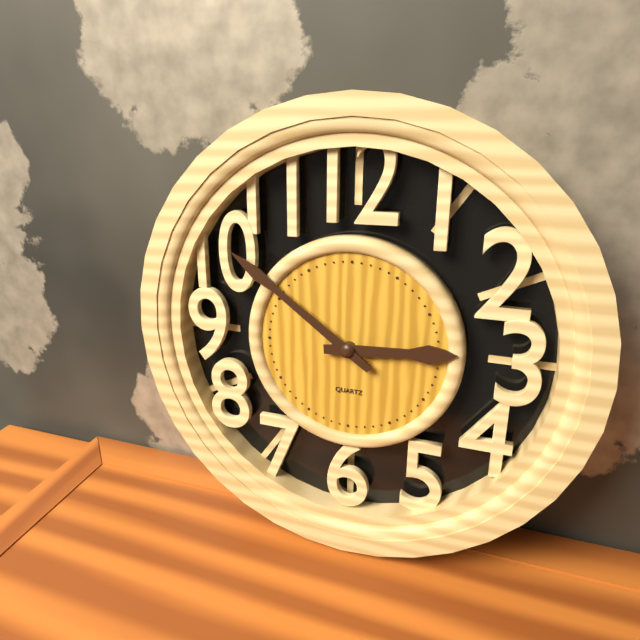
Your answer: **2:51**
